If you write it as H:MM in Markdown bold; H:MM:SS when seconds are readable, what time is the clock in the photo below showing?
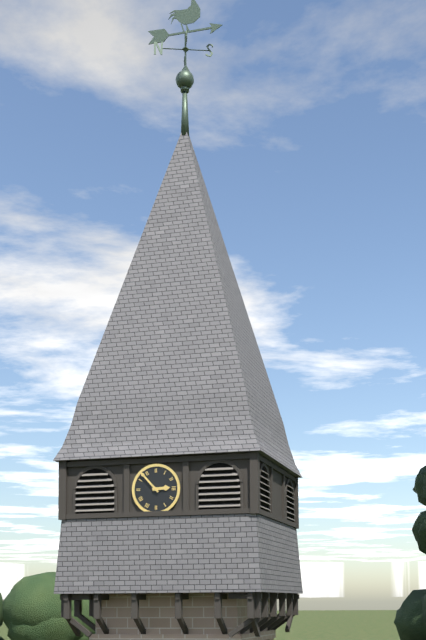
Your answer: **2:53**
